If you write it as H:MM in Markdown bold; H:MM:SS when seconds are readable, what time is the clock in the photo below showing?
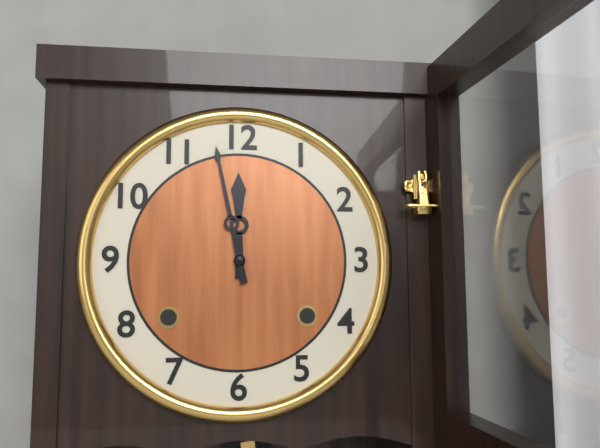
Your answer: **11:58**
